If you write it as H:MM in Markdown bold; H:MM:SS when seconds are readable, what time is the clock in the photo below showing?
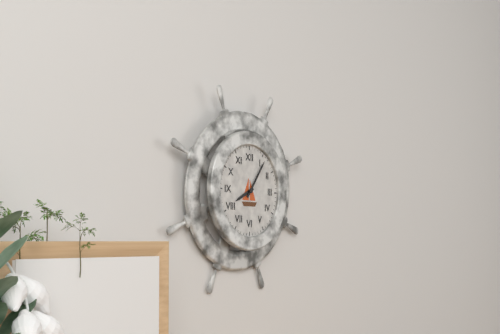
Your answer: **8:06**
